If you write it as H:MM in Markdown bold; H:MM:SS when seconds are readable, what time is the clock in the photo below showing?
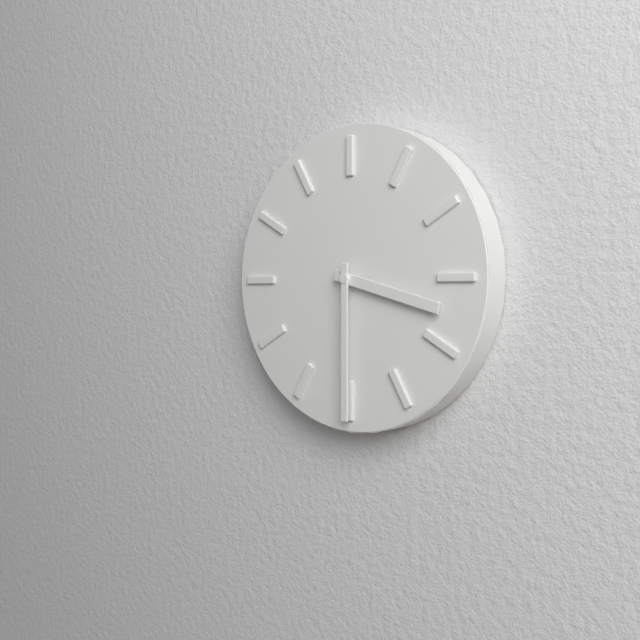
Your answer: **3:30**
